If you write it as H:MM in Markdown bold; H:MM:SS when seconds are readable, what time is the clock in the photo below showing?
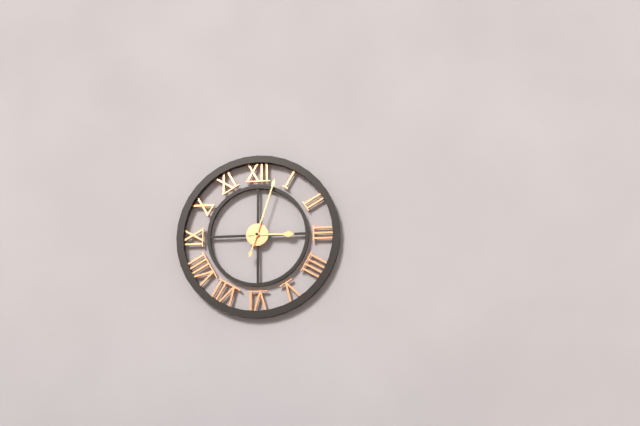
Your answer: **3:03**
